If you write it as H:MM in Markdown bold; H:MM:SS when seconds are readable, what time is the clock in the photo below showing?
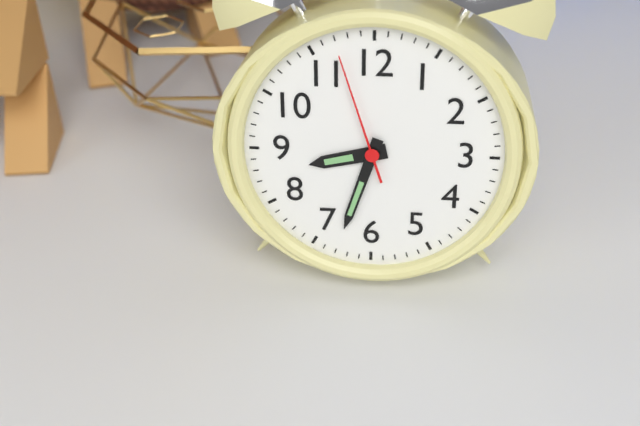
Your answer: **8:33:57**
